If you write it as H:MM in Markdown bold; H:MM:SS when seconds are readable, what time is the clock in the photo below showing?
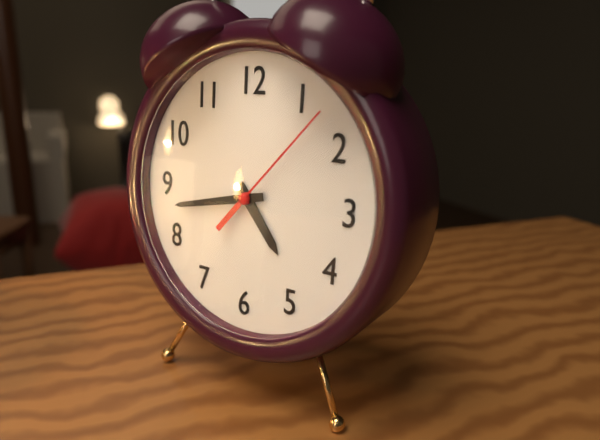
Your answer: **4:43:07**
